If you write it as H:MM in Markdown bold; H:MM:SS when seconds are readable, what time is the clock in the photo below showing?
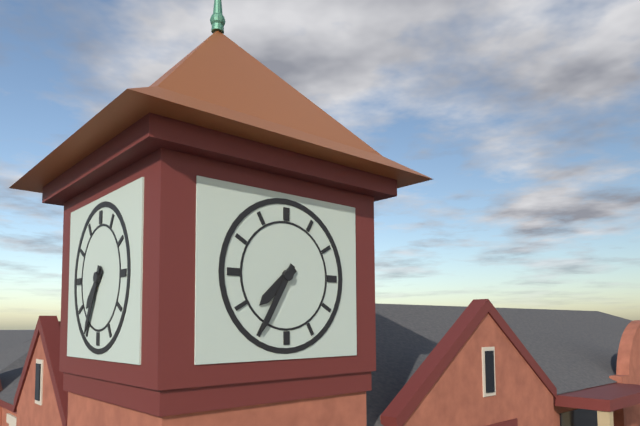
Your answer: **7:35**
